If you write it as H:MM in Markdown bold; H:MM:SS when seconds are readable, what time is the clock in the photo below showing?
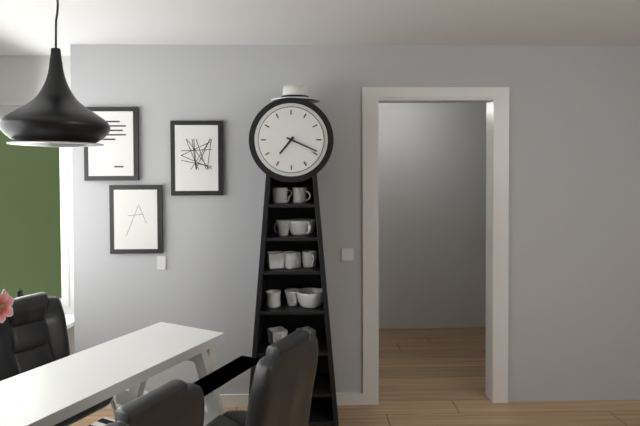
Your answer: **7:19**
